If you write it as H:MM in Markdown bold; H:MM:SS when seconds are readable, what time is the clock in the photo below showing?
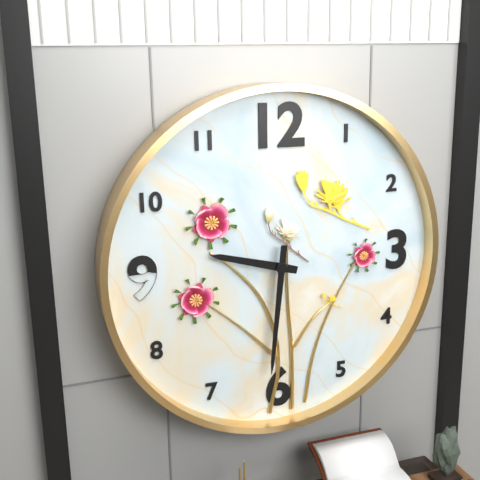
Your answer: **9:31**
